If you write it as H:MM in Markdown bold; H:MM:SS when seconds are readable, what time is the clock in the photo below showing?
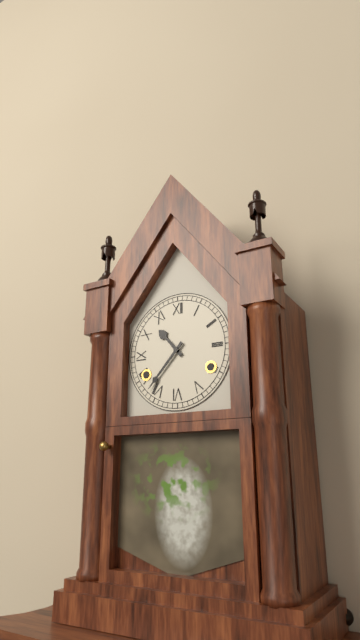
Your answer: **10:37**
